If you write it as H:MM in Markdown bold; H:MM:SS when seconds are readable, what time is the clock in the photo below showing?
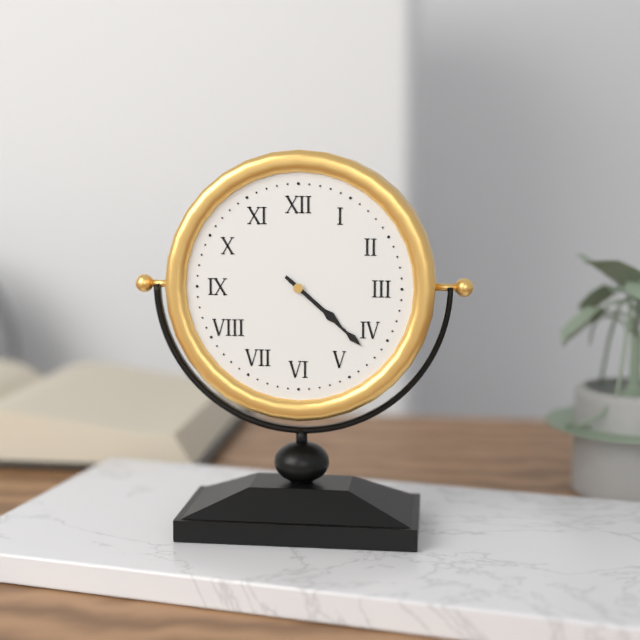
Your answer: **4:22**
